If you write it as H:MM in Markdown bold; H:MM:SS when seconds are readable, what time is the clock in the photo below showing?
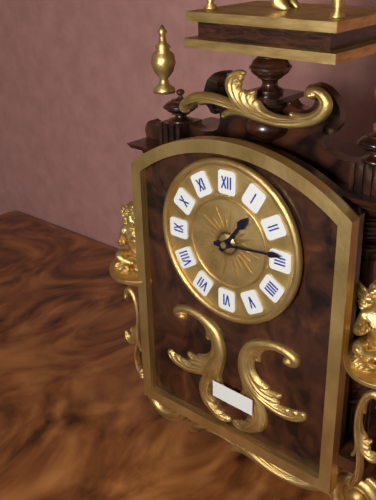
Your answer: **1:14**
